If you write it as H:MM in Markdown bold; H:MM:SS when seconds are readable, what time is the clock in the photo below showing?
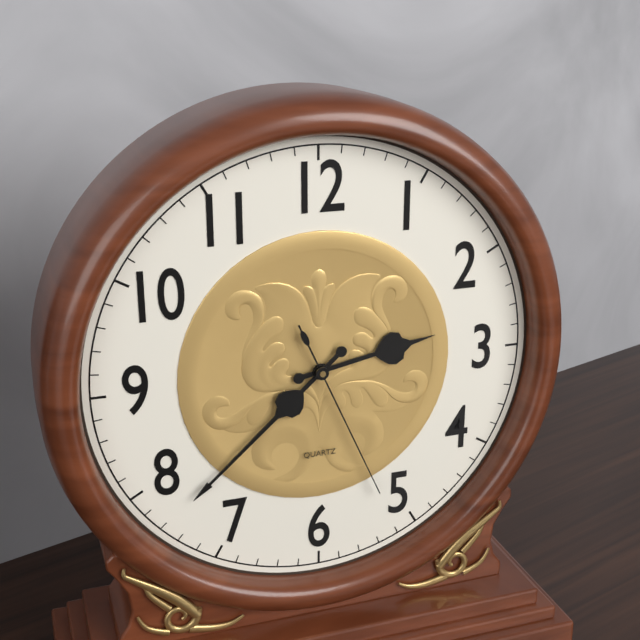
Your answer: **2:38:26**
